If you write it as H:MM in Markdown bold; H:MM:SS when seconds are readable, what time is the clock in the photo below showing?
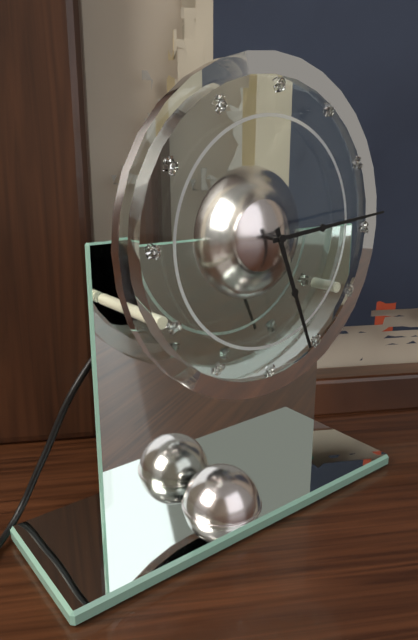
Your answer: **5:14**
